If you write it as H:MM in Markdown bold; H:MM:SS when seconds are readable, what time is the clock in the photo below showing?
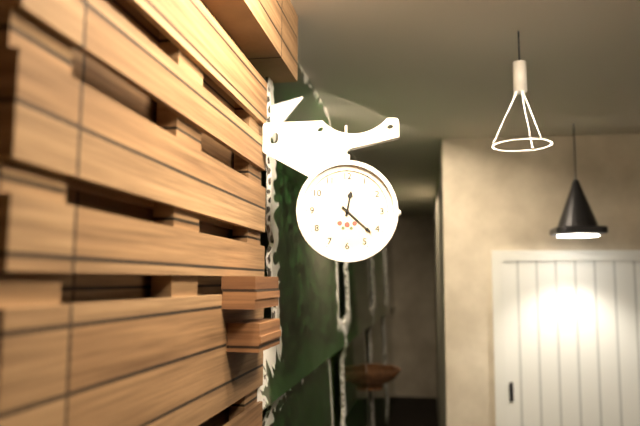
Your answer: **12:22**
